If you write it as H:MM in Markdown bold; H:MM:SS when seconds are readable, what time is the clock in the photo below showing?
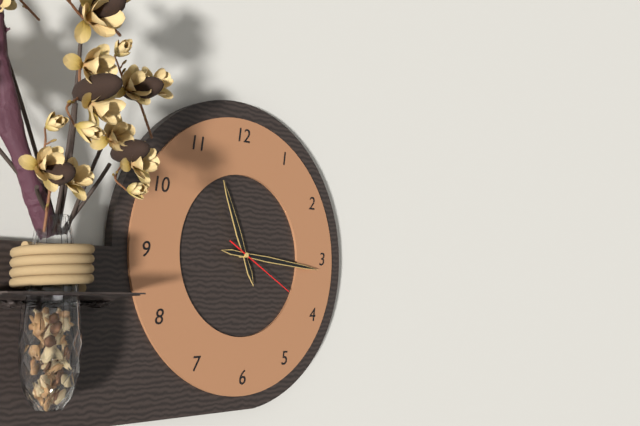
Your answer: **11:16:20**
